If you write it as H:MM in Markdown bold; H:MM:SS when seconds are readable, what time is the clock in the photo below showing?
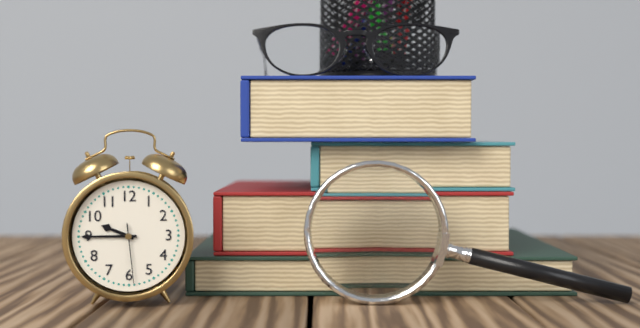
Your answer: **9:45:29**
